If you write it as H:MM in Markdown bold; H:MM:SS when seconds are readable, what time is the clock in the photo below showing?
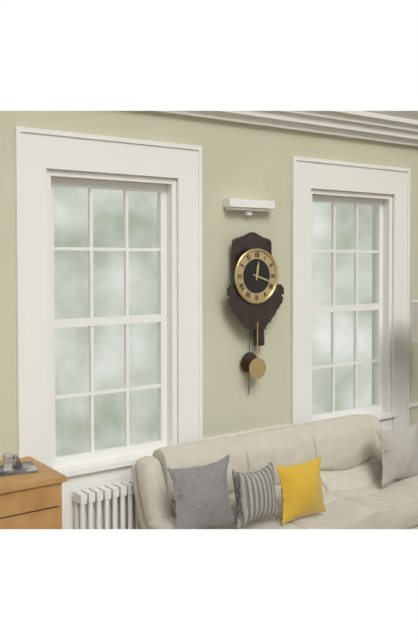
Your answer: **12:18**
